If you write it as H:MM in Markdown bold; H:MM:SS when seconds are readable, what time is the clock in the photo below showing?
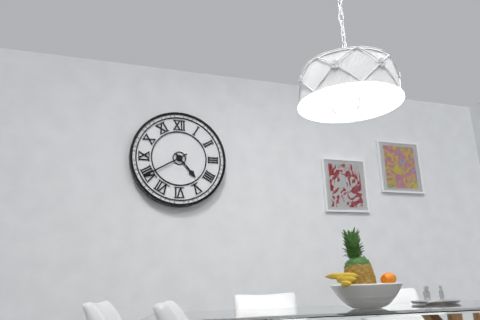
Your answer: **4:40**
